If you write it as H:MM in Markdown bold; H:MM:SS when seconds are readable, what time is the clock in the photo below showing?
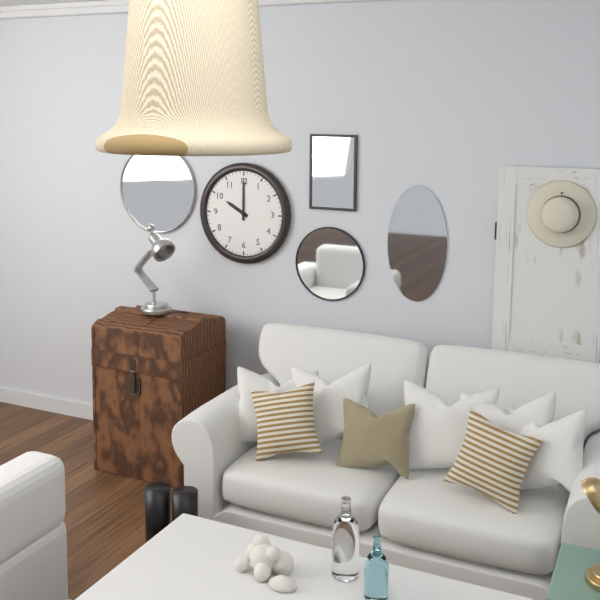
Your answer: **10:00**
